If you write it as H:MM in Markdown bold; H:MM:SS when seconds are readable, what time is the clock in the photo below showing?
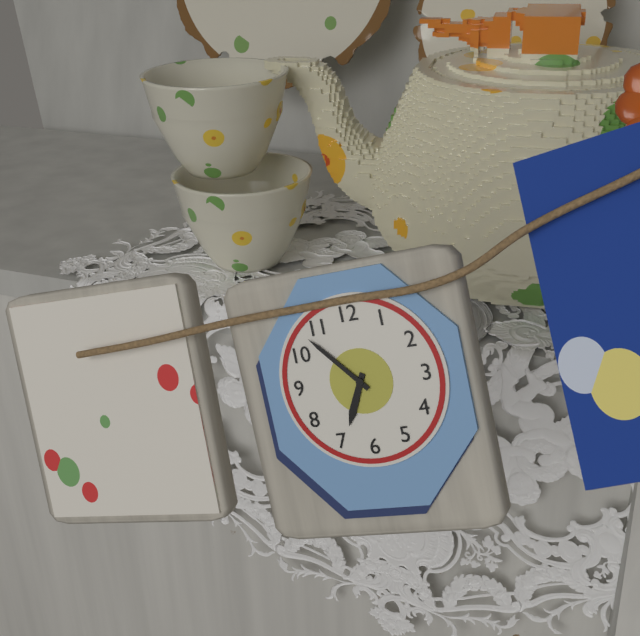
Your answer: **6:53**
